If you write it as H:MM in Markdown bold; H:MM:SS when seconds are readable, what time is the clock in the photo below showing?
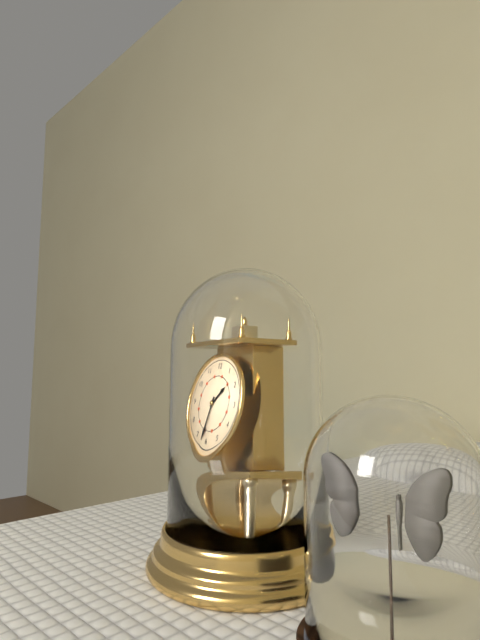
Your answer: **1:32**
